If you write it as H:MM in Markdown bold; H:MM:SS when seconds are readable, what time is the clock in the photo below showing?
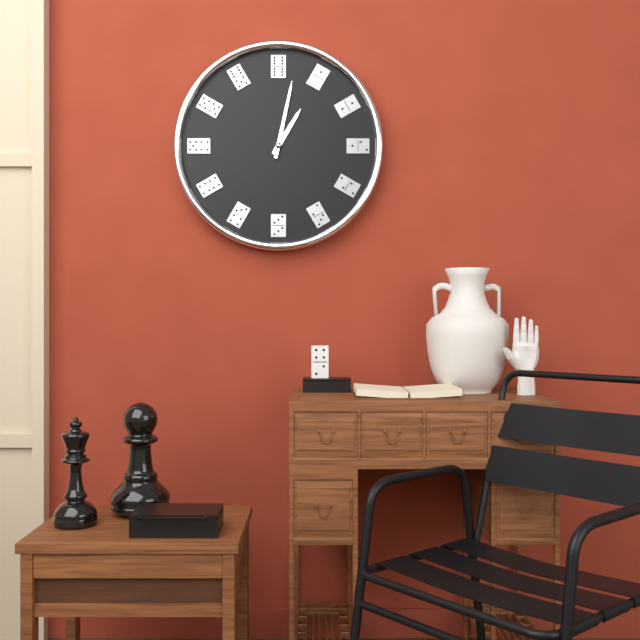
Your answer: **1:02**
